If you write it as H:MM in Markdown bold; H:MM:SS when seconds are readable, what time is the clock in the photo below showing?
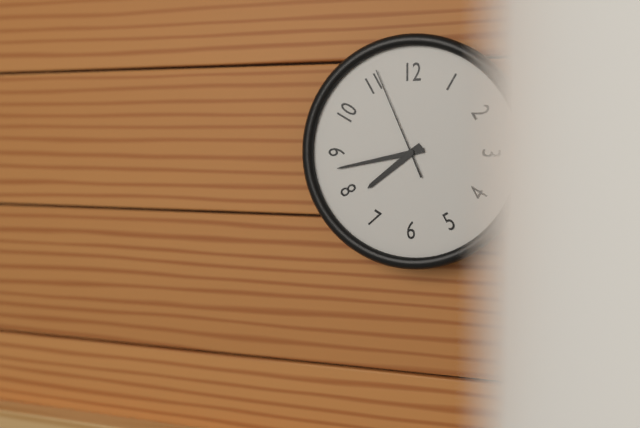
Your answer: **7:43:56**
